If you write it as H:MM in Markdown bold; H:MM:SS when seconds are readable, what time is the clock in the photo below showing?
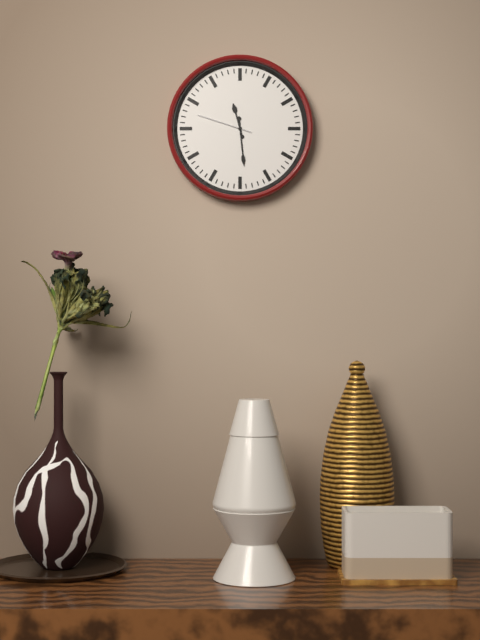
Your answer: **11:29:48**
